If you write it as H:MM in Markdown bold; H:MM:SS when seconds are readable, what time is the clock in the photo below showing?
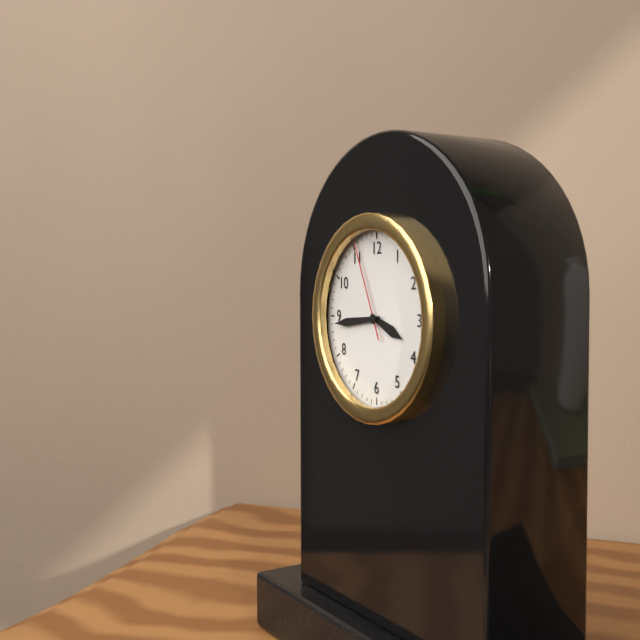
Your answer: **3:44:56**
